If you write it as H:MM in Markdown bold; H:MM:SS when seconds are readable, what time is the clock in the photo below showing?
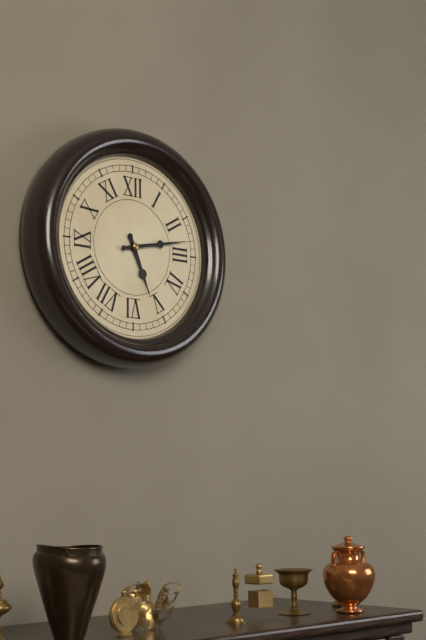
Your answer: **5:13**
